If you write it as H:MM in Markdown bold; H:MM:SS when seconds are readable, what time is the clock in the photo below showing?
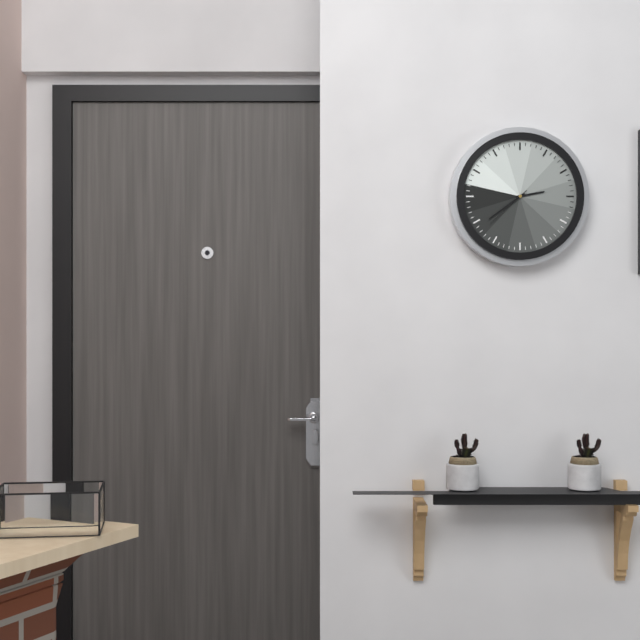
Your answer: **2:39:38**
